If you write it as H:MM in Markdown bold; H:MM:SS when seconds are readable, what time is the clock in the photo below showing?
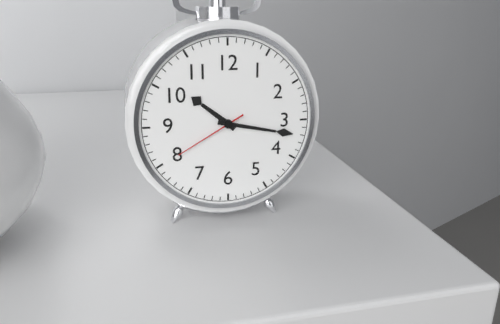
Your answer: **10:17:40**
